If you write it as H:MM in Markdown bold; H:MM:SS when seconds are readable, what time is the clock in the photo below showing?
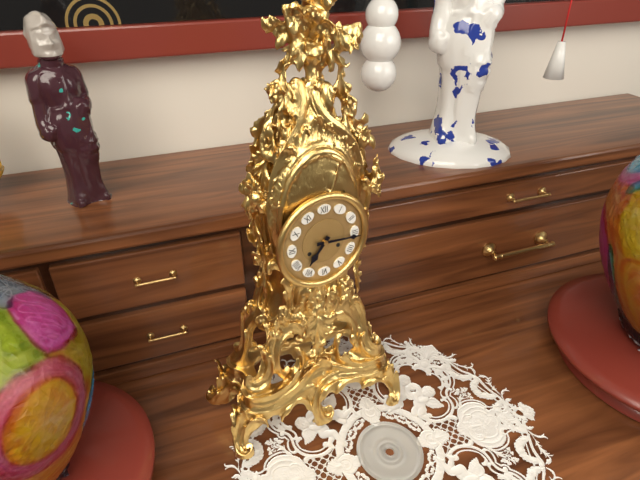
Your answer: **7:16**
